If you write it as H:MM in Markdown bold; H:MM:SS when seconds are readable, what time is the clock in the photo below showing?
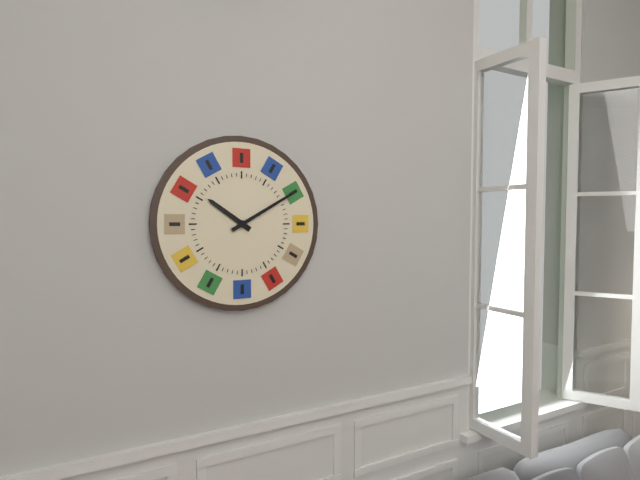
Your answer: **10:10**
